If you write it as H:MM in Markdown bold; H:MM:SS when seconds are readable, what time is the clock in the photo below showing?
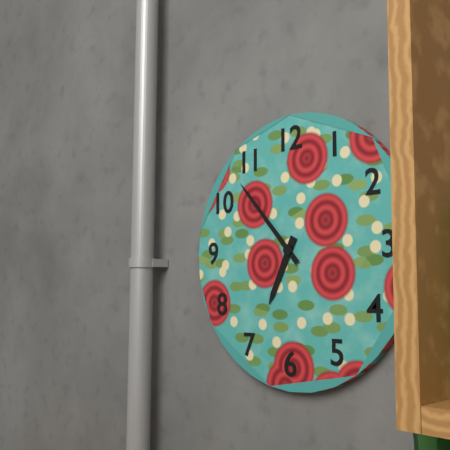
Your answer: **6:53**
